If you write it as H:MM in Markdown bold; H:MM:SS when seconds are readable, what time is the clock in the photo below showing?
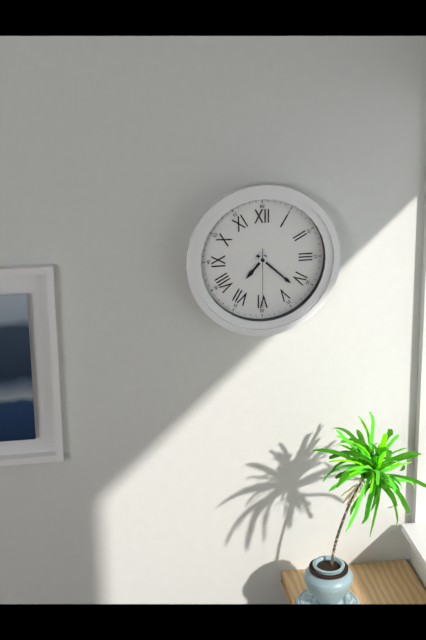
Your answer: **7:22:30**
